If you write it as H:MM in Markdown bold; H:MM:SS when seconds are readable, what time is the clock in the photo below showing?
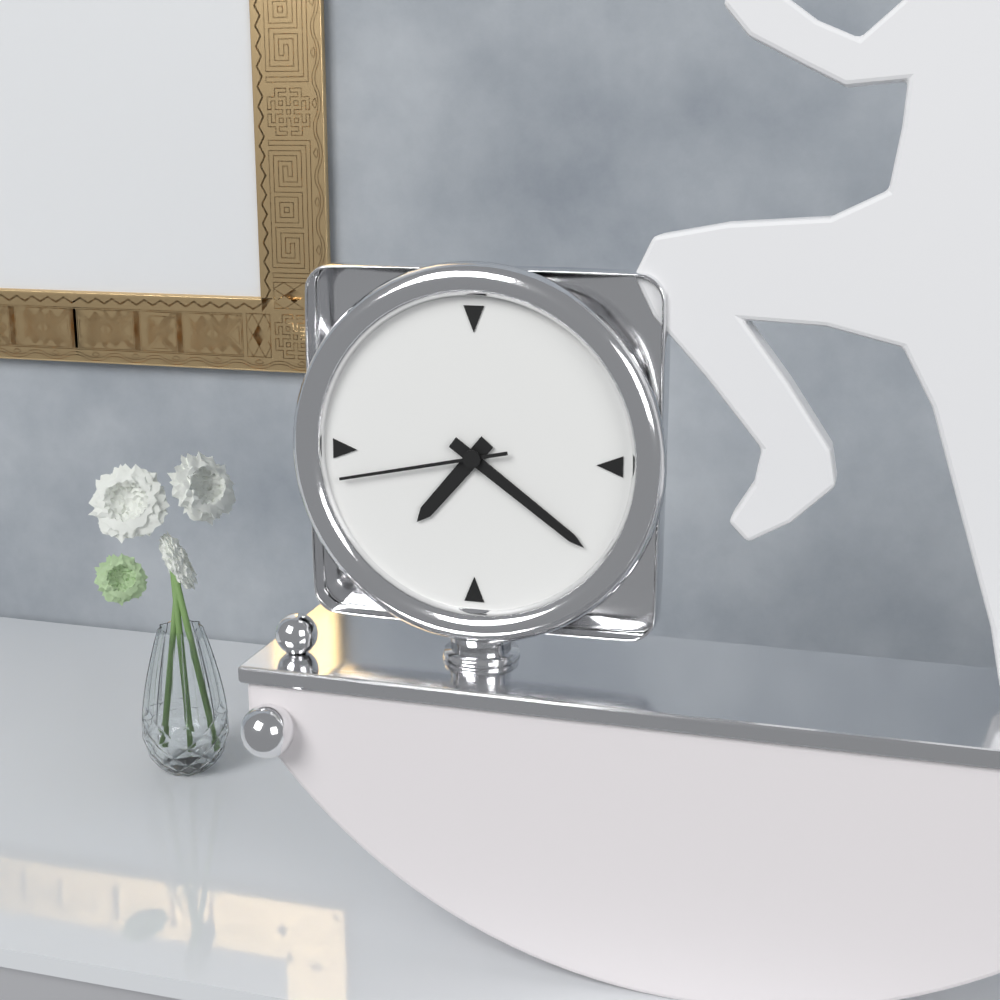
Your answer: **7:21:43**
